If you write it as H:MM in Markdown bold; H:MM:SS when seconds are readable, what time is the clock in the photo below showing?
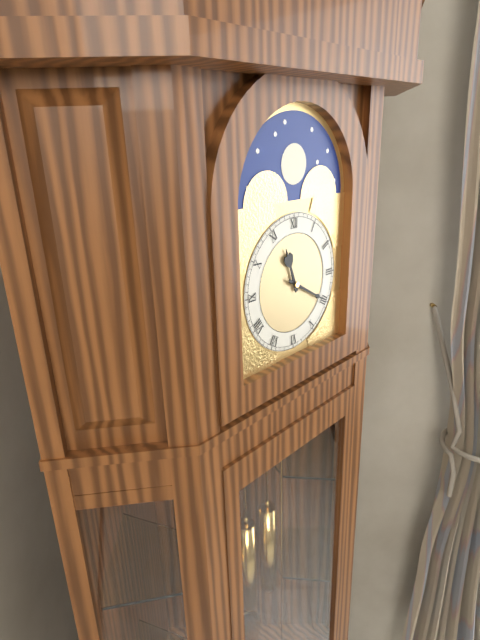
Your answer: **11:20**
